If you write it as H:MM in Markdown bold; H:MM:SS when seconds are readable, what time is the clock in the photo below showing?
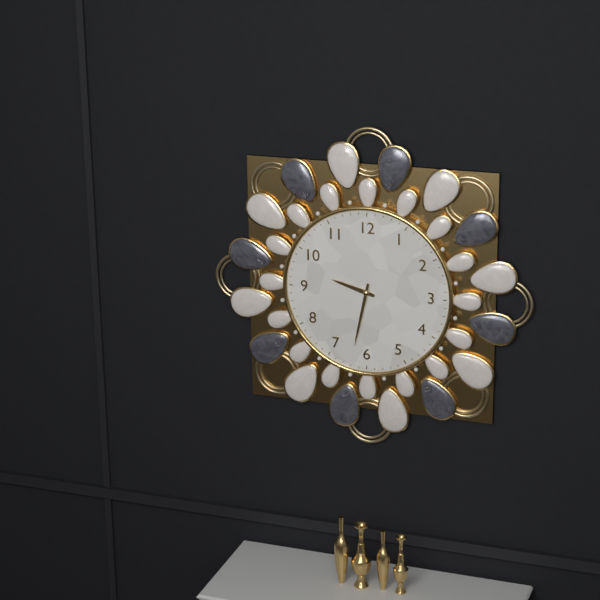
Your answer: **9:32**
